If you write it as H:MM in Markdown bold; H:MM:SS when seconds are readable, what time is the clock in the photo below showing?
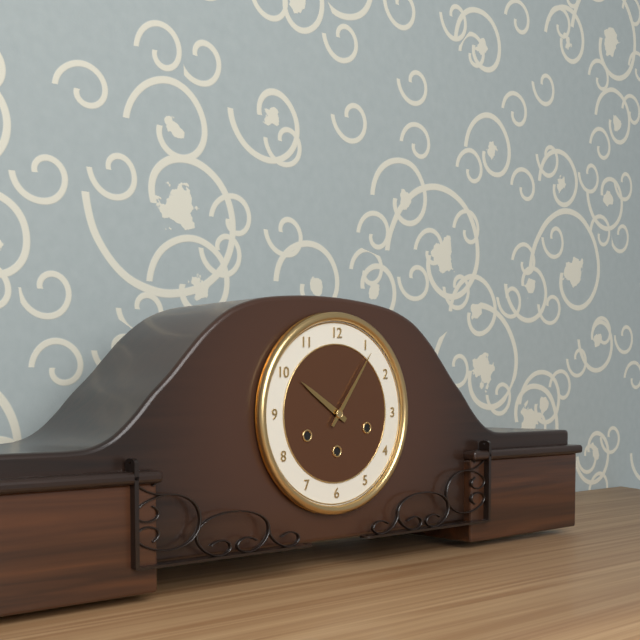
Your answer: **10:06**
